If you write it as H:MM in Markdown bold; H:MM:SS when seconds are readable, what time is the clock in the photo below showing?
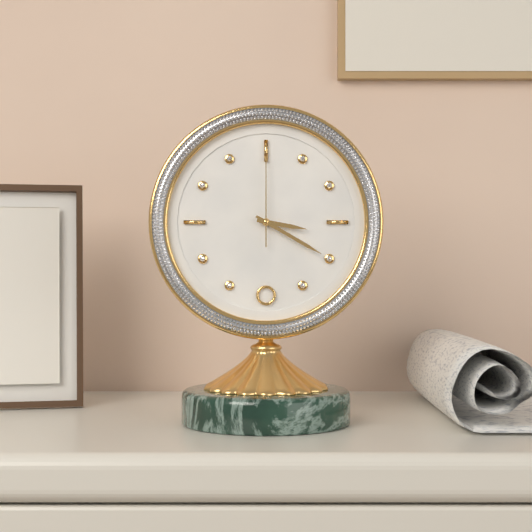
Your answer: **3:20:00**
